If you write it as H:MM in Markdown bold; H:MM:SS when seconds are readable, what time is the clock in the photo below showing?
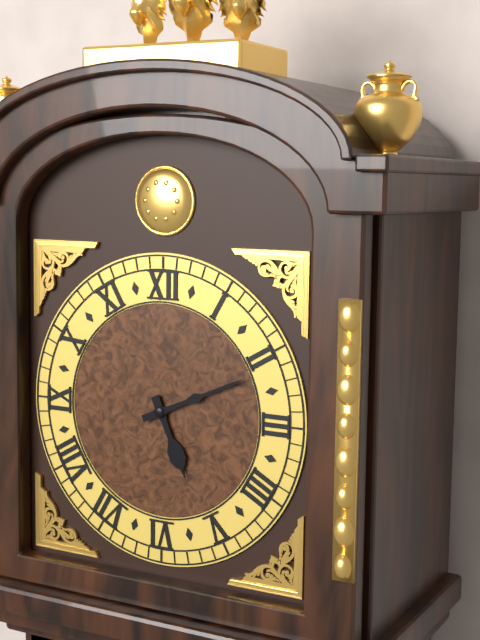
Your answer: **5:11**
